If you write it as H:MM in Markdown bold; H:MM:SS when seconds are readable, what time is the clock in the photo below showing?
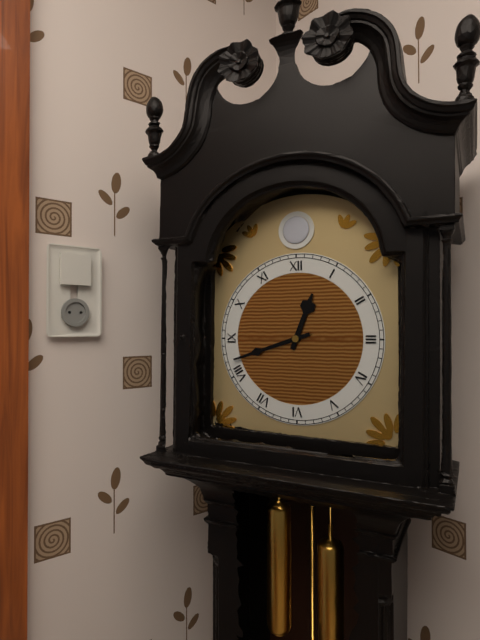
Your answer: **12:42**
